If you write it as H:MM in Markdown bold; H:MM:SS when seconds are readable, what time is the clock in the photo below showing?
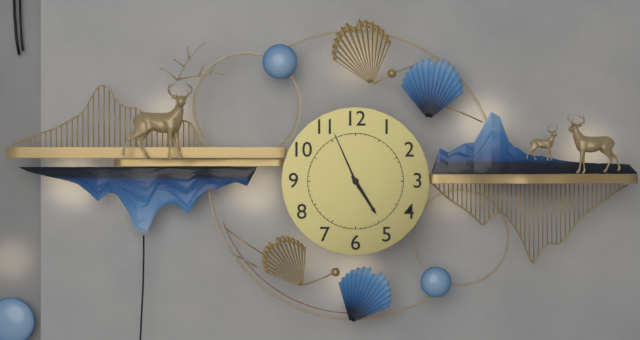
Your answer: **4:56**
